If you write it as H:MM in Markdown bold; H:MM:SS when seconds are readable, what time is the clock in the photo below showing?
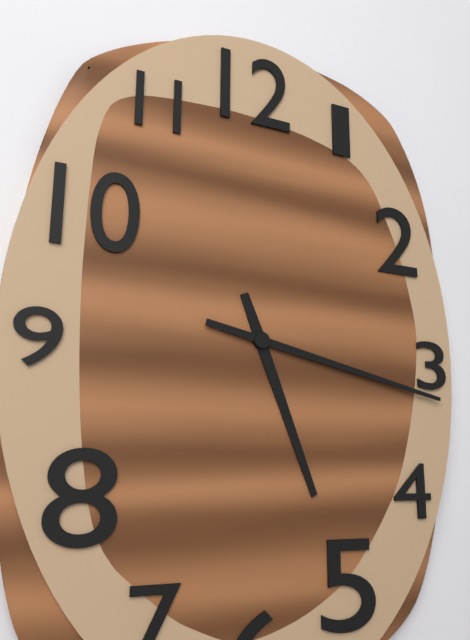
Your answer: **5:17**
